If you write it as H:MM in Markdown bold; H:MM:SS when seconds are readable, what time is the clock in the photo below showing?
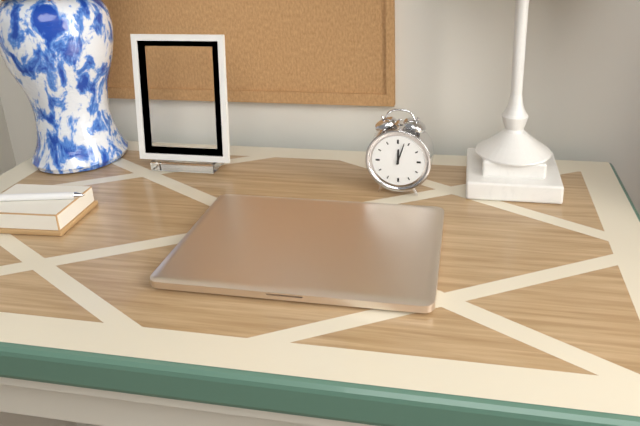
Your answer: **12:03**
